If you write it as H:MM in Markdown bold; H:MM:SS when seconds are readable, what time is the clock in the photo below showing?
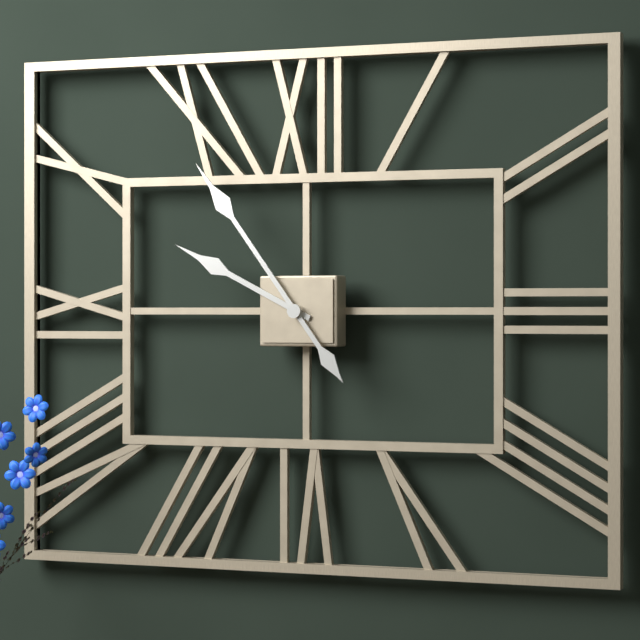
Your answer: **9:54**
